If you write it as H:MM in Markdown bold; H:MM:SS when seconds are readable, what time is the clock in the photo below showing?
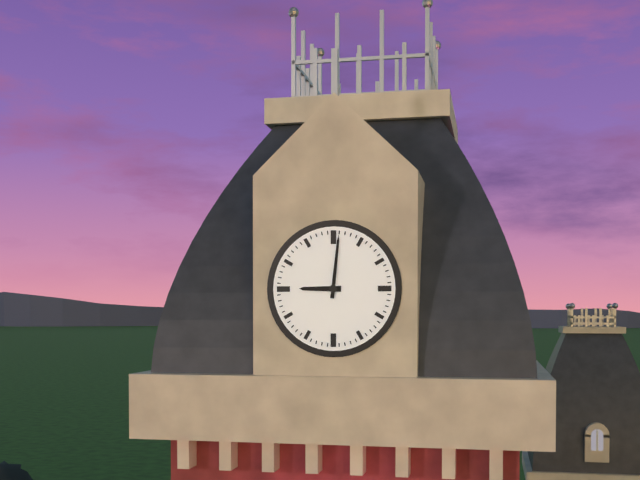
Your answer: **9:01**
